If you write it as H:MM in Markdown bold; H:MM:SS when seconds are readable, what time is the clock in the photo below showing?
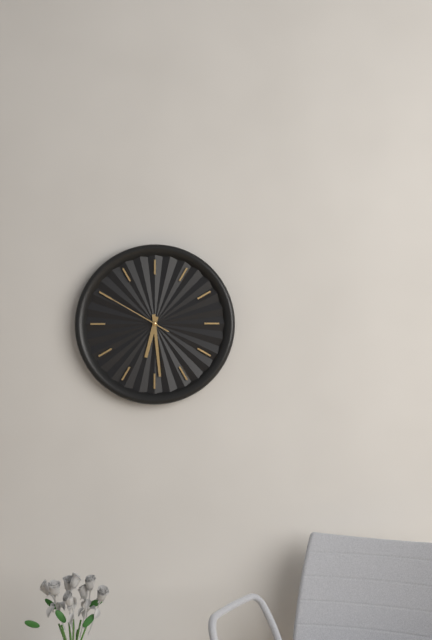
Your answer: **6:29:50**
